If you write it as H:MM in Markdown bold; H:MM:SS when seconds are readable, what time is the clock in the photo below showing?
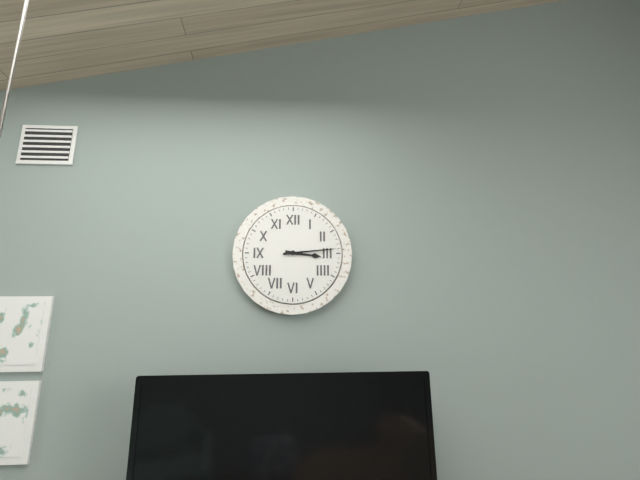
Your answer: **3:14**
